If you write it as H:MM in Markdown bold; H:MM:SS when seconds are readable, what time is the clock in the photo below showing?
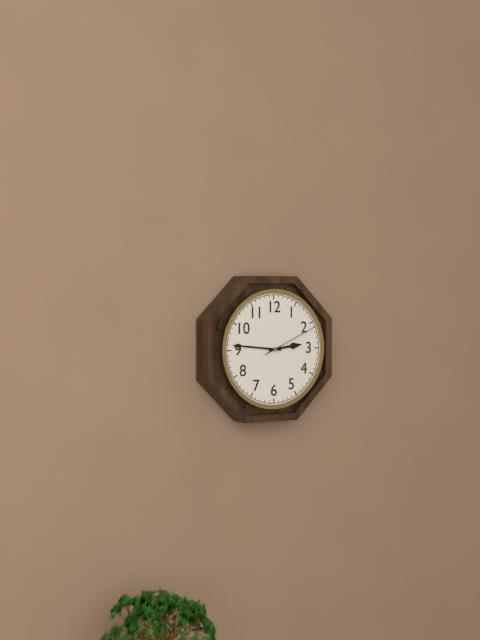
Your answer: **2:46:11**
